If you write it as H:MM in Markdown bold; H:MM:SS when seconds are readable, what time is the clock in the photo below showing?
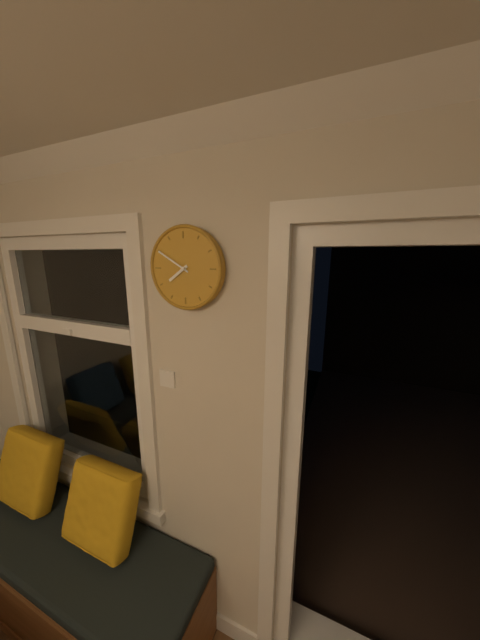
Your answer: **7:50**
